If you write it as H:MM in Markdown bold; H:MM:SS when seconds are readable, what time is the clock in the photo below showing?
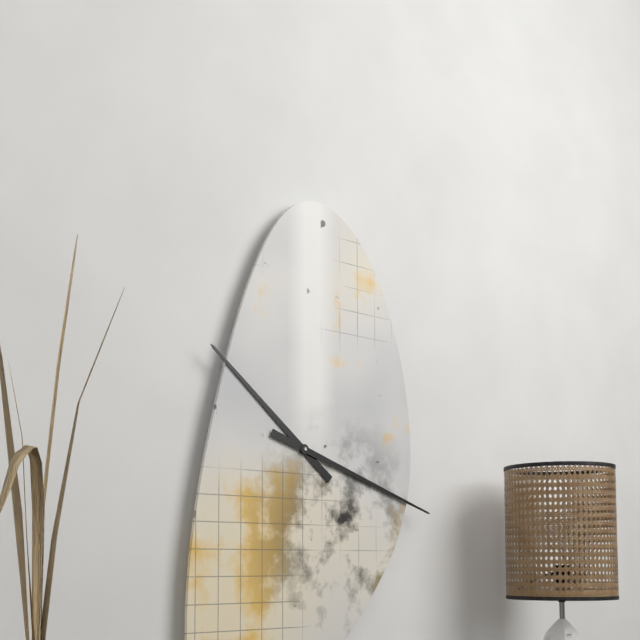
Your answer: **10:18**
